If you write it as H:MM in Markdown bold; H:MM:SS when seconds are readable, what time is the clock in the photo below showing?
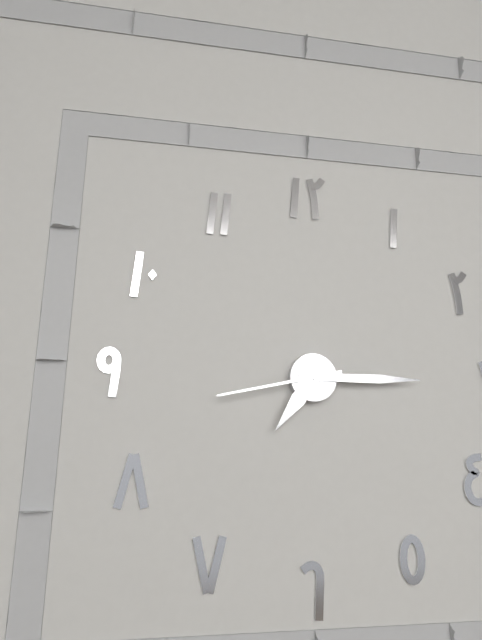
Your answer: **7:15:43**
